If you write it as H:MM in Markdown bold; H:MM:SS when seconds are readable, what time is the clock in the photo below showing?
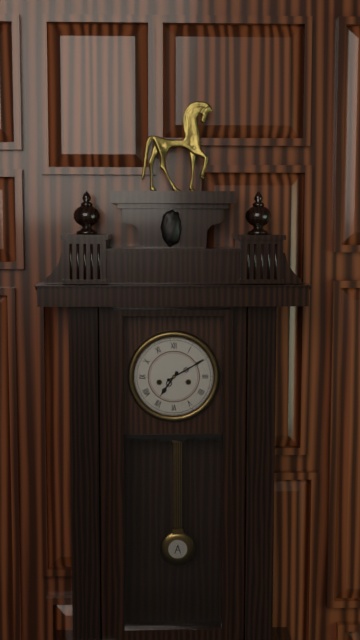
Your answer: **7:10**
